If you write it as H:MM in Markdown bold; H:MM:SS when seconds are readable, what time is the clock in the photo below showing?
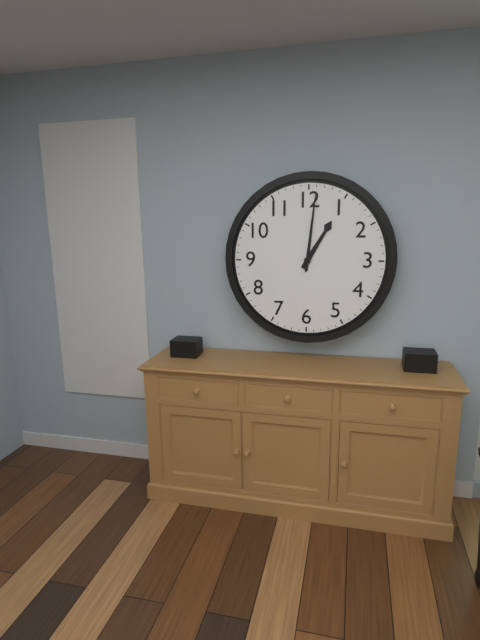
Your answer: **1:01**
